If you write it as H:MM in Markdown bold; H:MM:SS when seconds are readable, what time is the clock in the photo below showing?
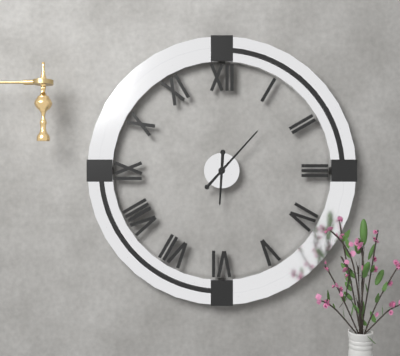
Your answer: **6:07**
